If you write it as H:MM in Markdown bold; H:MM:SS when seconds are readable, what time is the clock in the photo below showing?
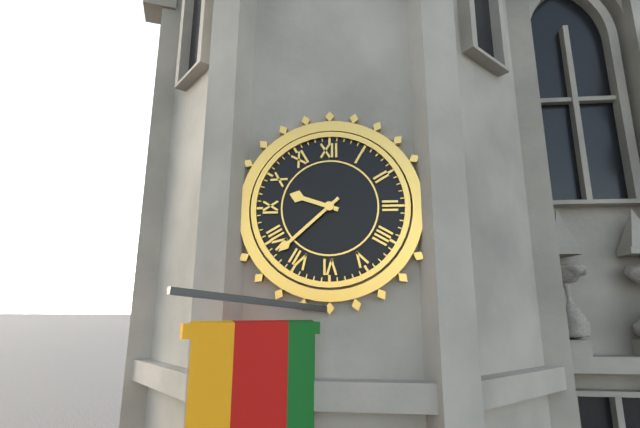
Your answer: **9:38**
